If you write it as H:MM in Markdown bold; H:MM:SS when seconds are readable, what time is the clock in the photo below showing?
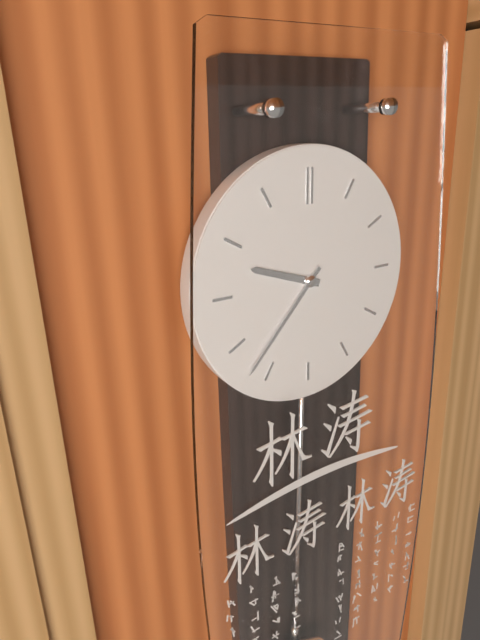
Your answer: **9:37**
